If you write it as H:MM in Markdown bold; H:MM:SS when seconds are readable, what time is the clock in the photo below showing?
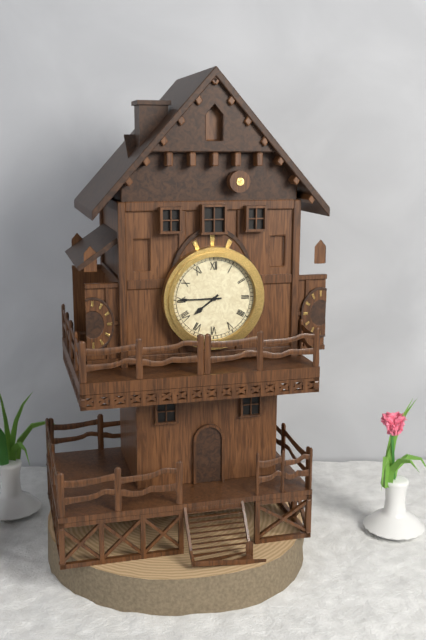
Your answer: **7:45**
